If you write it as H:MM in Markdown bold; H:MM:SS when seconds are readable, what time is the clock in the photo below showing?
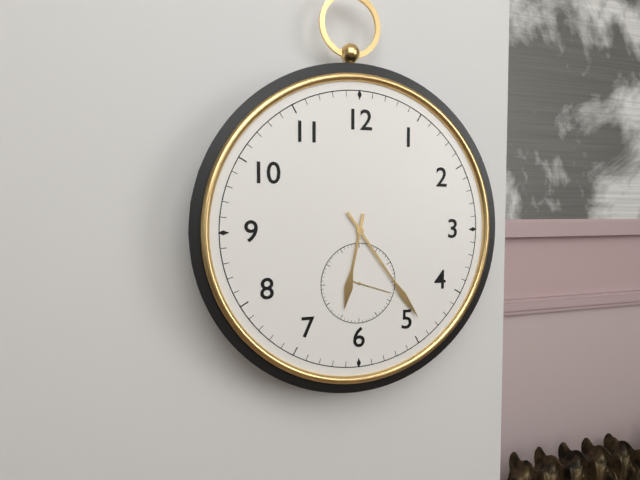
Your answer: **6:24:18**
